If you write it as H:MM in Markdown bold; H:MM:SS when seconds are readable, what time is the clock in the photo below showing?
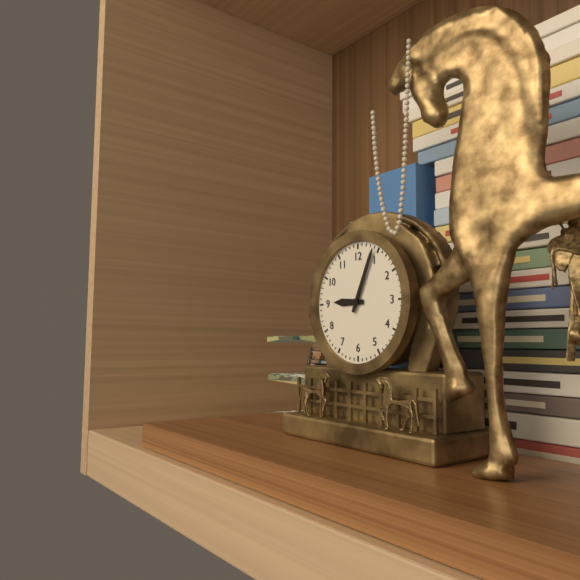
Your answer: **9:04**
